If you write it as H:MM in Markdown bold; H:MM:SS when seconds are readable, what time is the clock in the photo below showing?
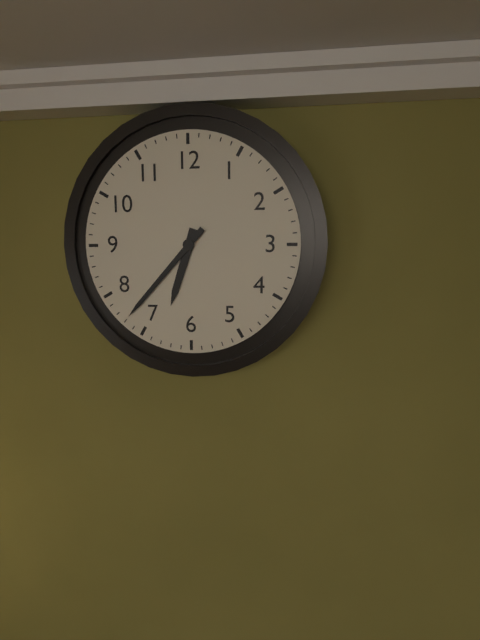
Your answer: **6:37**
